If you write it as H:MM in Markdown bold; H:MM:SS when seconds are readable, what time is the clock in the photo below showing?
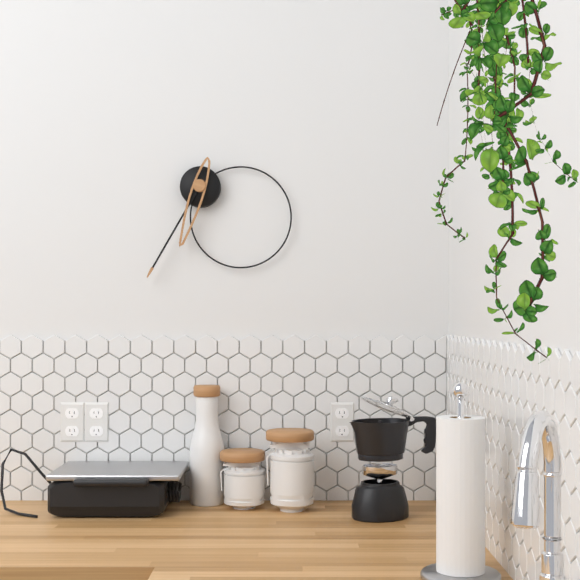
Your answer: **6:35**
